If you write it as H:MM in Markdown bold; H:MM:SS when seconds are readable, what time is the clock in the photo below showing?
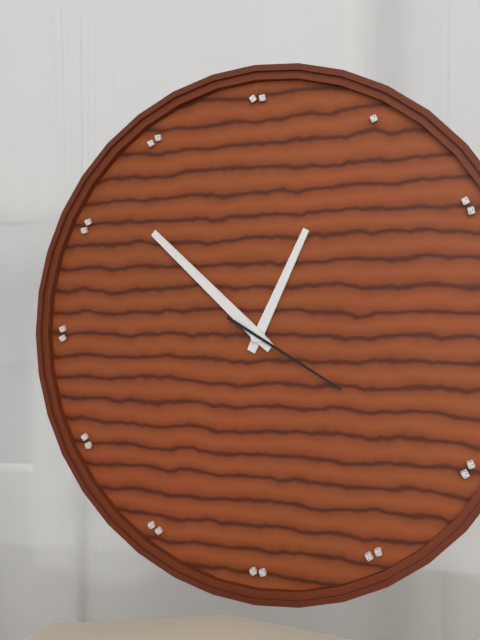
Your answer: **12:52:20**
